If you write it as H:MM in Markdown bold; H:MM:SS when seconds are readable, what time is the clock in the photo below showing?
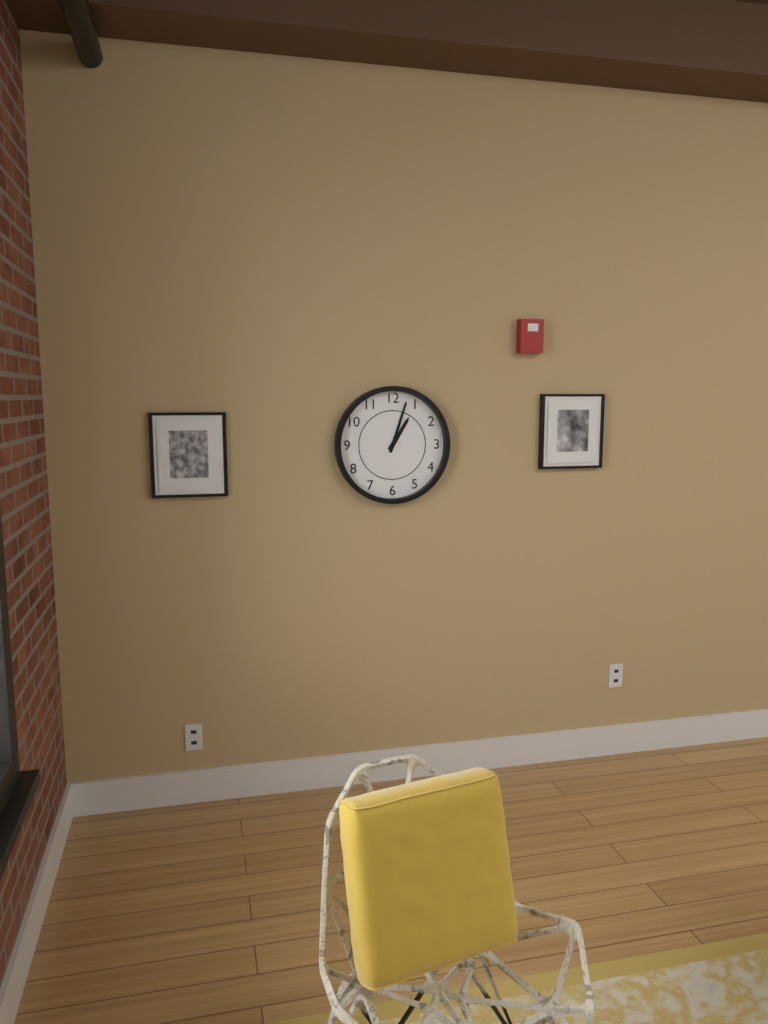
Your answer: **1:03**
